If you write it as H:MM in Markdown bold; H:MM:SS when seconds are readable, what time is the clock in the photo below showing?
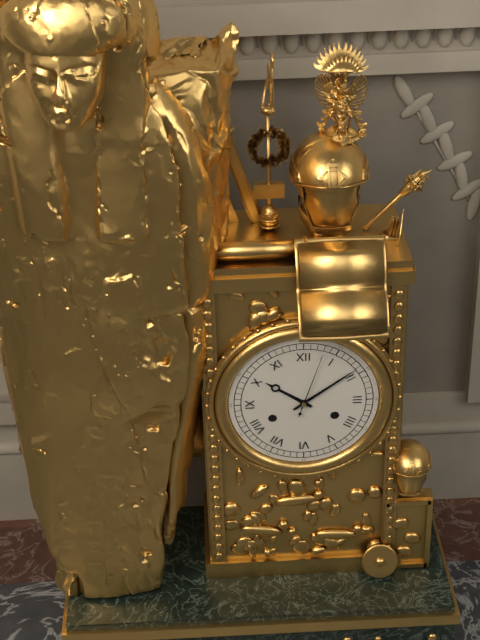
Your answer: **10:09**
